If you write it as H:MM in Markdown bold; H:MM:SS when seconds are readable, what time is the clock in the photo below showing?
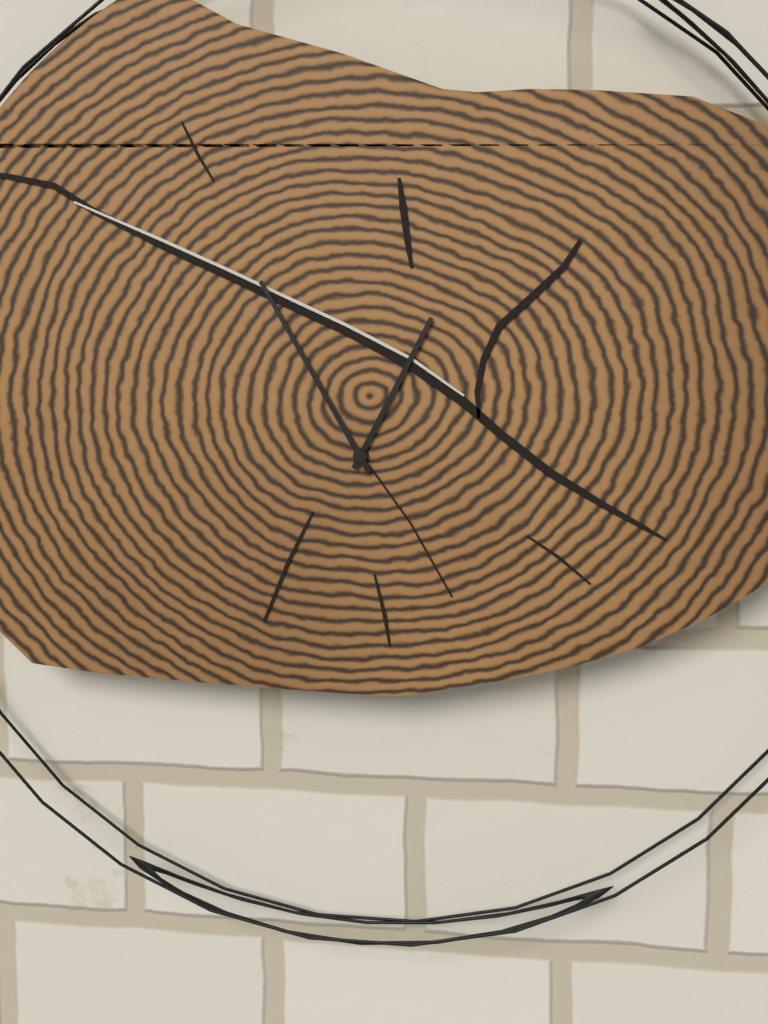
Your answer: **12:55**
